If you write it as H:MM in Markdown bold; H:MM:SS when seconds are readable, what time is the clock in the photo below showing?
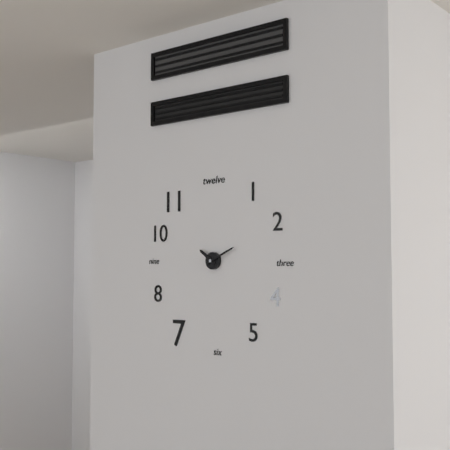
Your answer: **10:11**
